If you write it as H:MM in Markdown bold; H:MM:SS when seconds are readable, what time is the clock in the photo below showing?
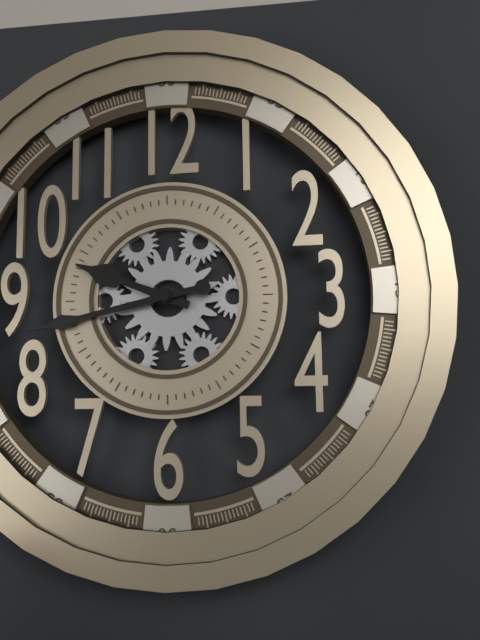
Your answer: **9:43**
